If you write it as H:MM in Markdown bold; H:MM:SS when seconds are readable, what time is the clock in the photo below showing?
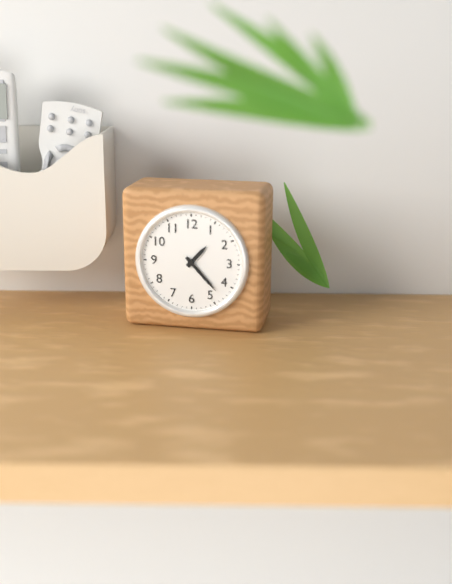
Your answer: **1:23**
